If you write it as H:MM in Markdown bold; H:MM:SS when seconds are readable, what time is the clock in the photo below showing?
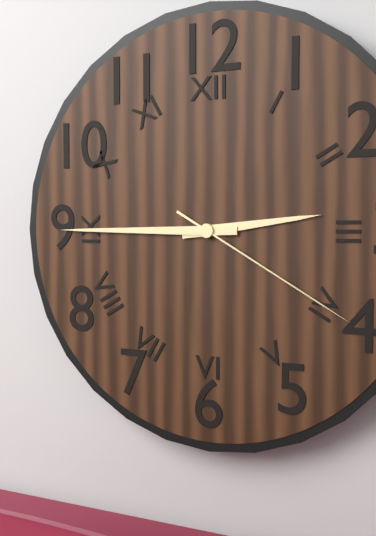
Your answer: **2:45:20**
